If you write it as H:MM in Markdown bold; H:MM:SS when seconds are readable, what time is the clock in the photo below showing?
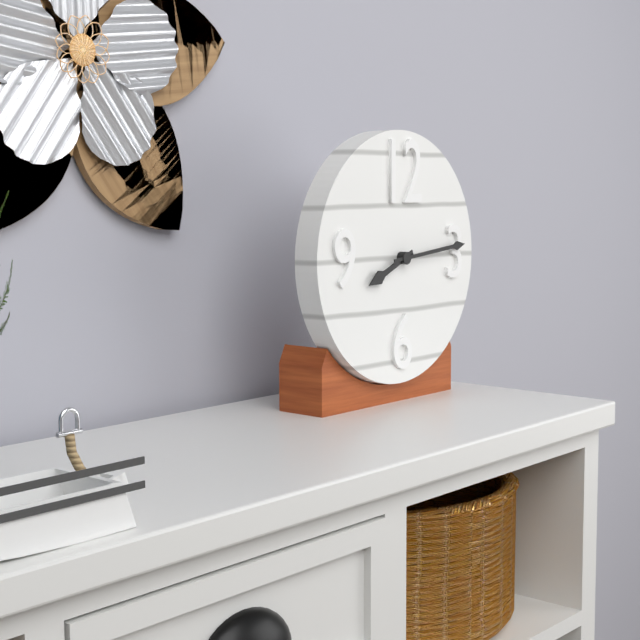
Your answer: **8:14**
